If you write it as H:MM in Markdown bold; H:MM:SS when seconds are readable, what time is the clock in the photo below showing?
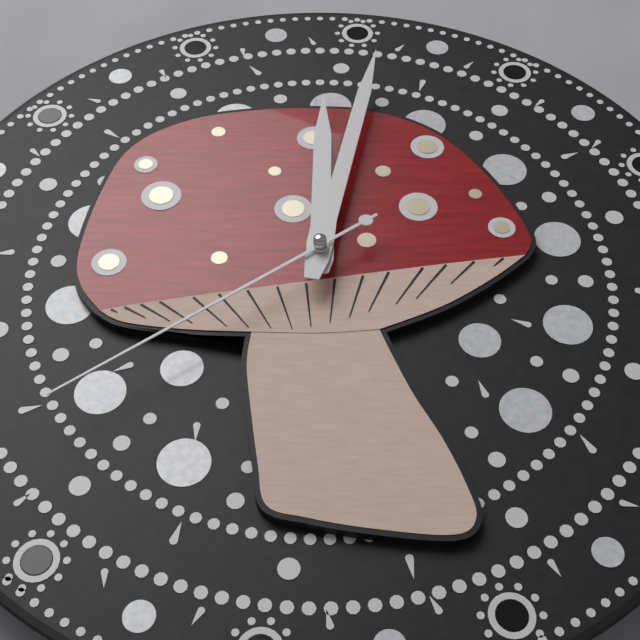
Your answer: **12:02:39**
